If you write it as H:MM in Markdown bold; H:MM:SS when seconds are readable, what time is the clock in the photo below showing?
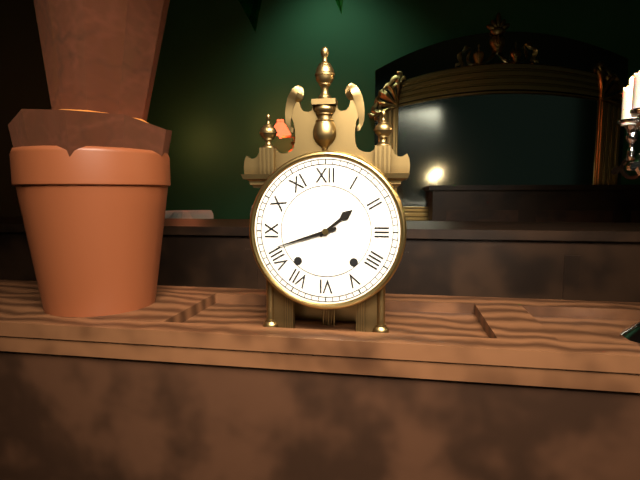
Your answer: **1:42**
